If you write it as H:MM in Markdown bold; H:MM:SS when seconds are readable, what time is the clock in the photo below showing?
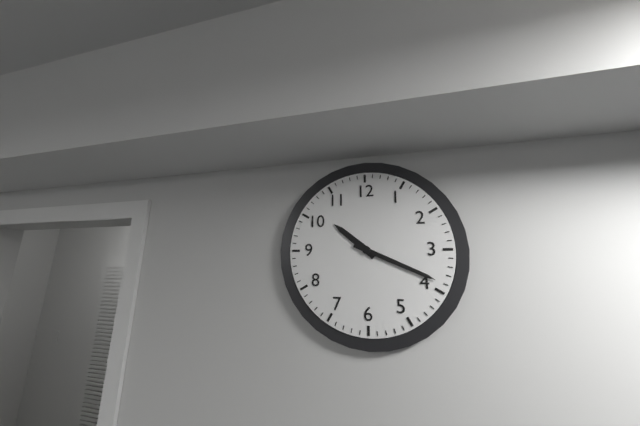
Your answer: **10:19**
